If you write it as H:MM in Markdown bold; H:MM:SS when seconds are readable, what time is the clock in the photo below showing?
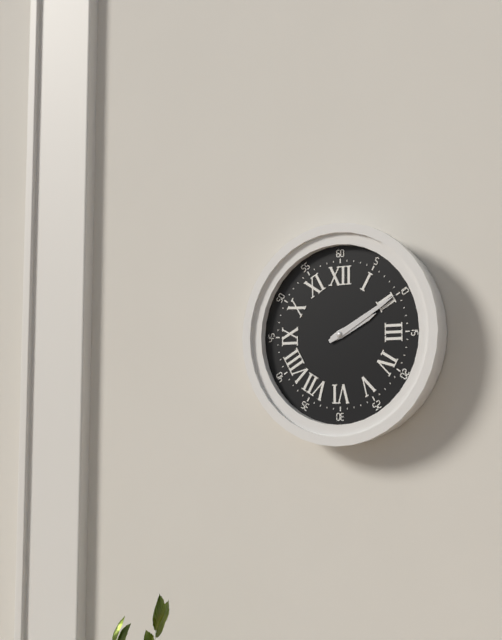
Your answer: **2:10**
